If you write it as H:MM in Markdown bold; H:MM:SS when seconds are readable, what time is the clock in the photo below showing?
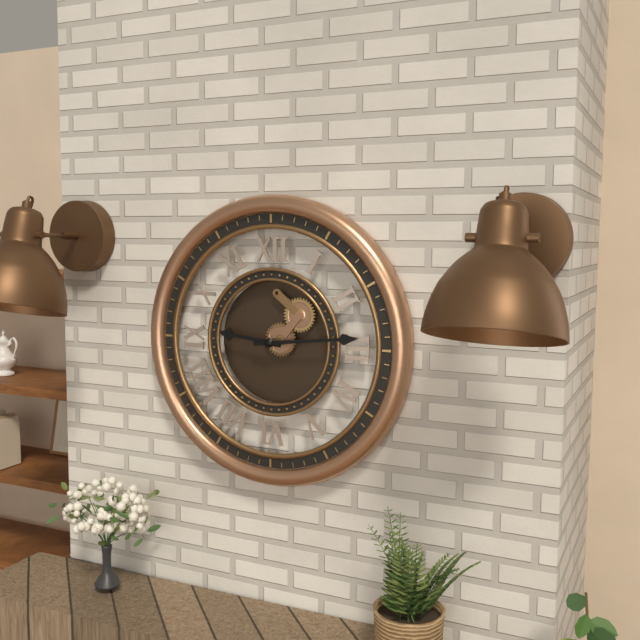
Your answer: **9:14**
